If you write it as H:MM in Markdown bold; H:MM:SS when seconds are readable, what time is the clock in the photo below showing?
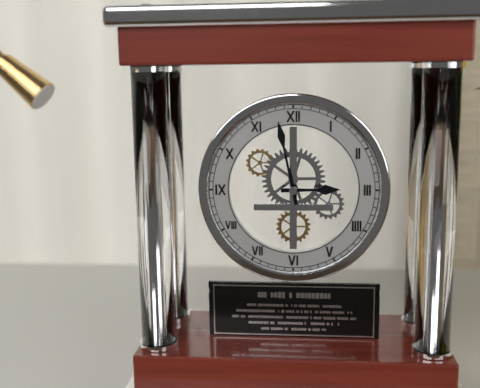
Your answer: **2:58**
